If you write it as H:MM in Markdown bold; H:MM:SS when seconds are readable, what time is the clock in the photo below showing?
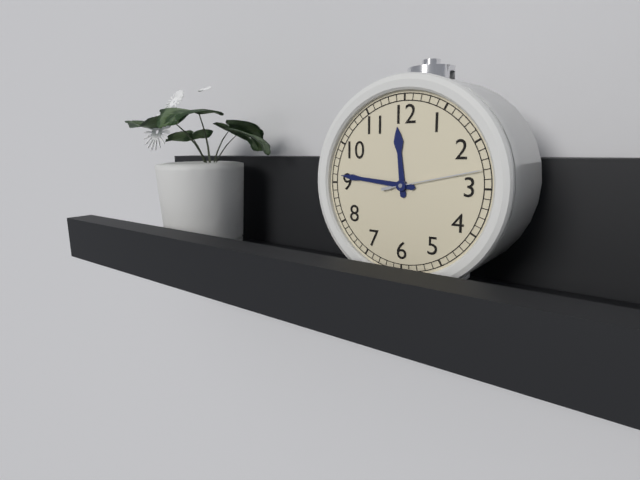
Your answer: **11:46:13**
